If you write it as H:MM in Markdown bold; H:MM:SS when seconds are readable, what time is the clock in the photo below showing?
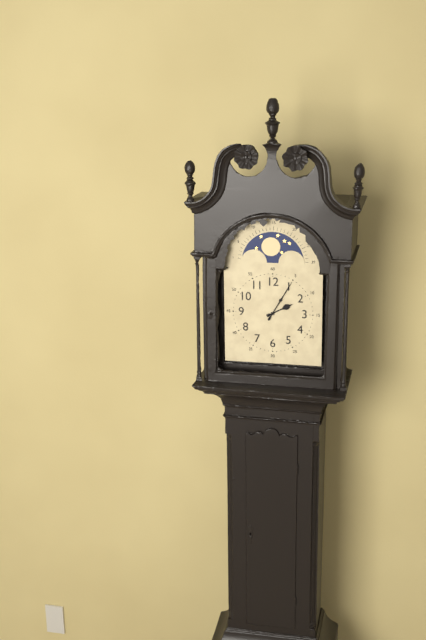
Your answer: **2:05**
